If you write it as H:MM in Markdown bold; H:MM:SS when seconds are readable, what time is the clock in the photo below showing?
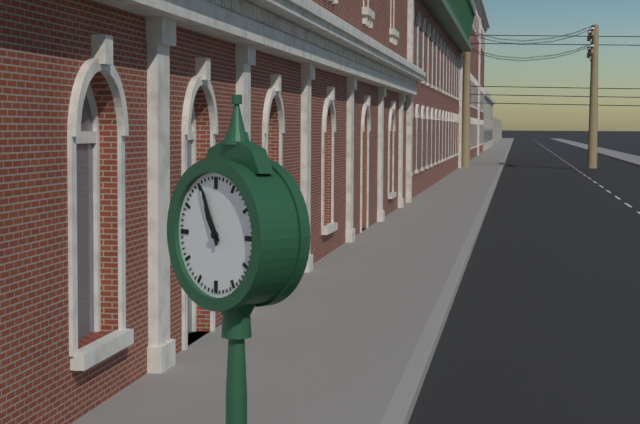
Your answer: **10:56**
